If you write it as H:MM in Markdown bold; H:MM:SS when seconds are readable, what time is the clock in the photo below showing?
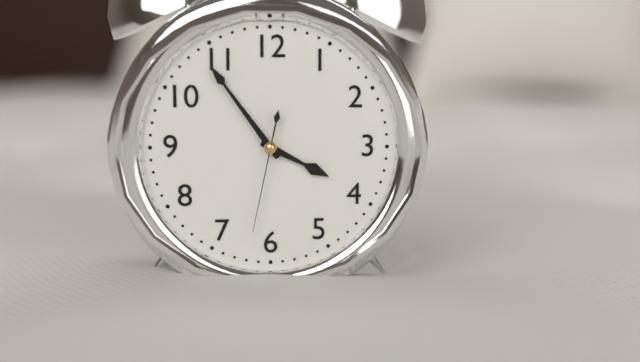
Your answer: **3:54:32**
